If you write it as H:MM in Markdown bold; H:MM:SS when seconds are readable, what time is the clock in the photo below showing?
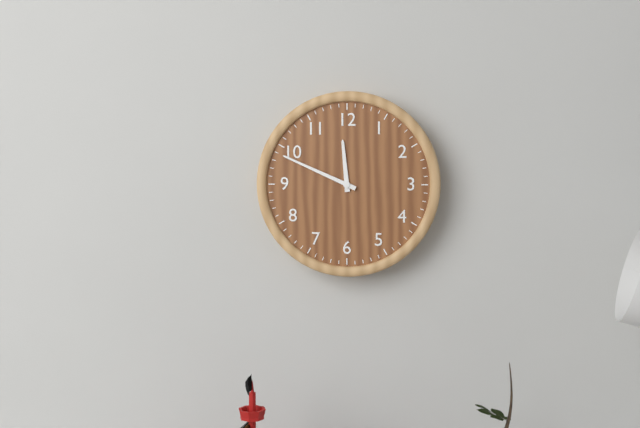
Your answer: **11:49**
